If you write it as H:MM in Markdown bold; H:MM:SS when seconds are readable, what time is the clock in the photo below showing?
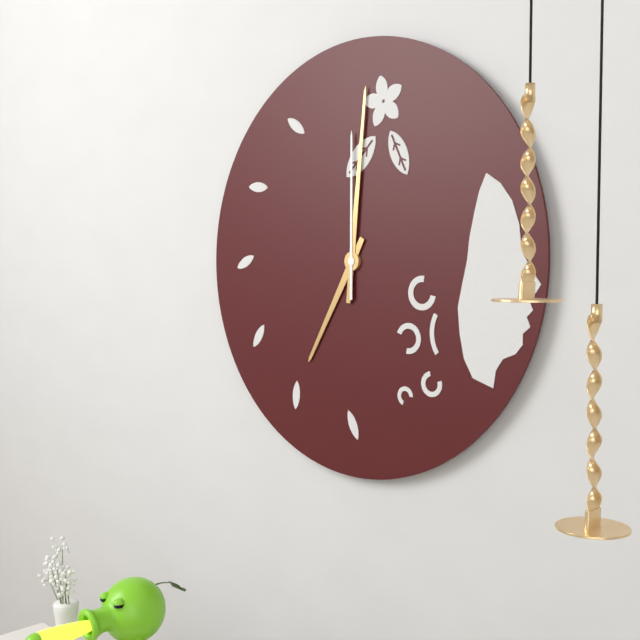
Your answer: **7:01:00**
